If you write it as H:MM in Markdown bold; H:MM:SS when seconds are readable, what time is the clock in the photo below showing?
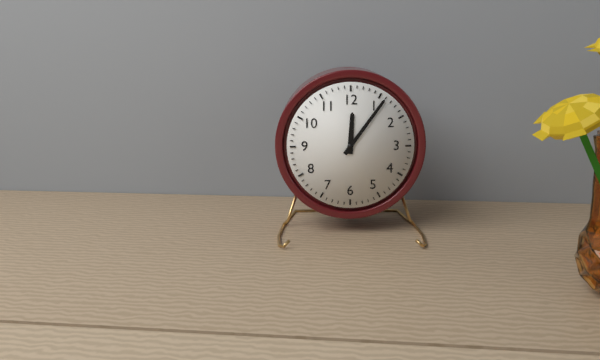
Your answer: **12:06**
